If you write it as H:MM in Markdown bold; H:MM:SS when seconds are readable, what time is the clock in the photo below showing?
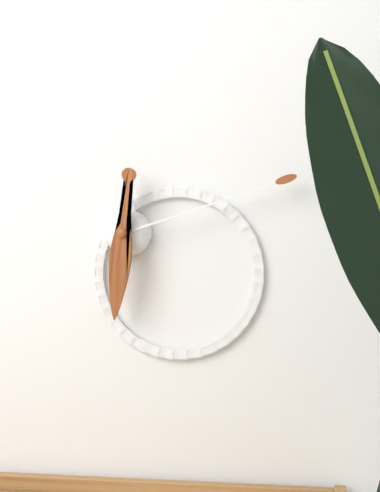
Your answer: **6:12**
